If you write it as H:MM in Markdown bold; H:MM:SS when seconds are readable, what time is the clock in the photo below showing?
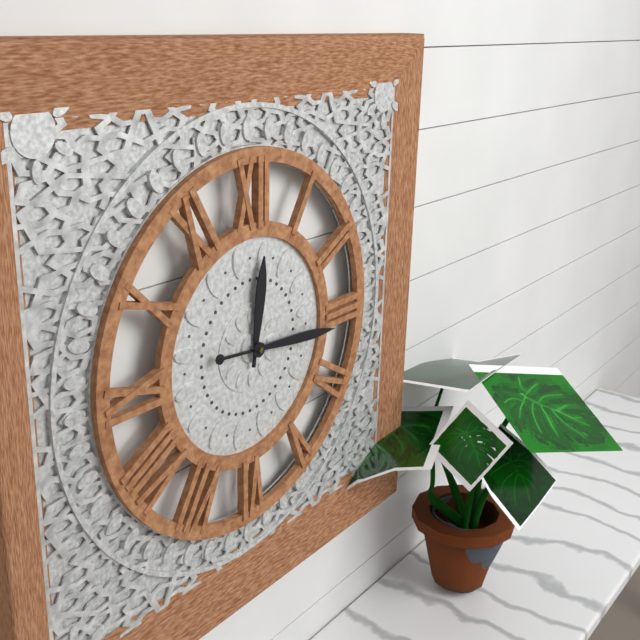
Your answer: **12:16**
